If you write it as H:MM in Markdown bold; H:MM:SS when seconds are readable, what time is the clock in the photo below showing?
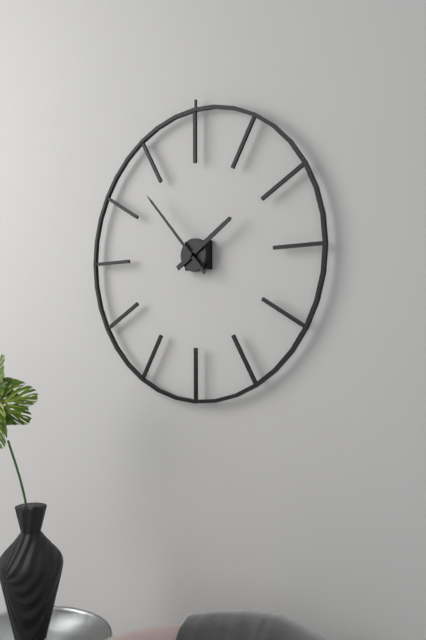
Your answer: **1:53**
